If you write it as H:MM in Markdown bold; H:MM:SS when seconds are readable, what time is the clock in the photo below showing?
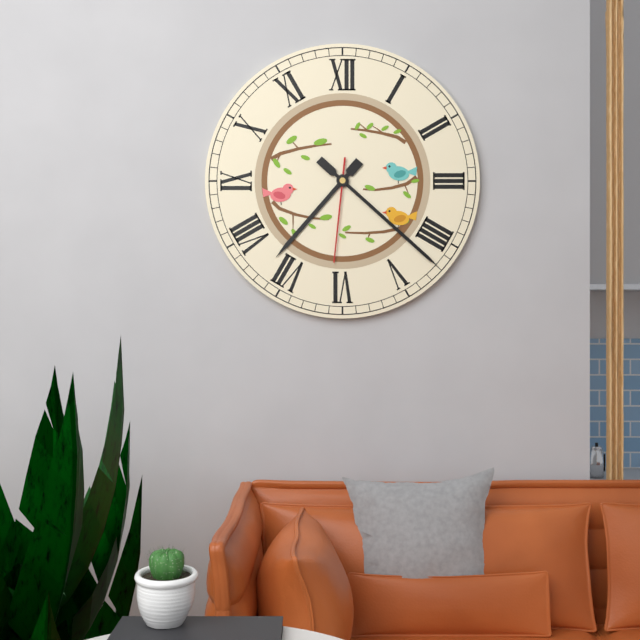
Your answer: **7:22:31**
